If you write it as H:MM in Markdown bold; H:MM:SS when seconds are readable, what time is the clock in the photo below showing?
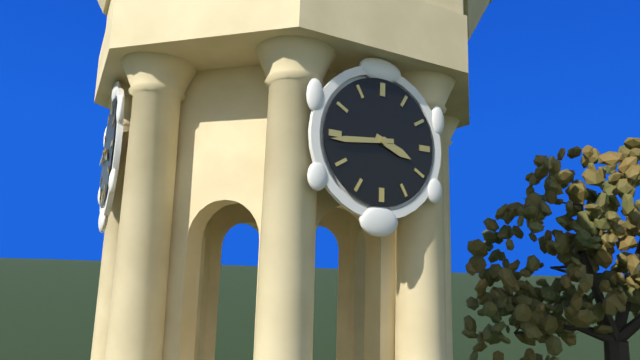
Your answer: **3:44**
